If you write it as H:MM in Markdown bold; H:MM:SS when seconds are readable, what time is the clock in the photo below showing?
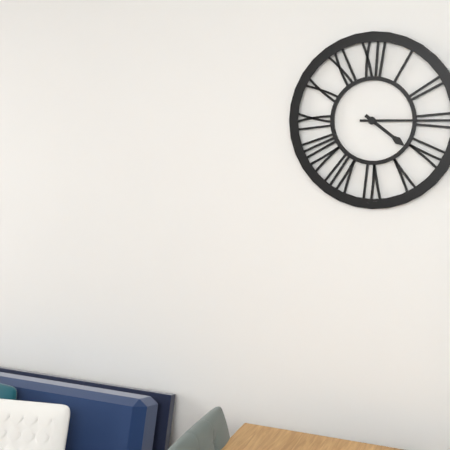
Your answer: **4:15**
